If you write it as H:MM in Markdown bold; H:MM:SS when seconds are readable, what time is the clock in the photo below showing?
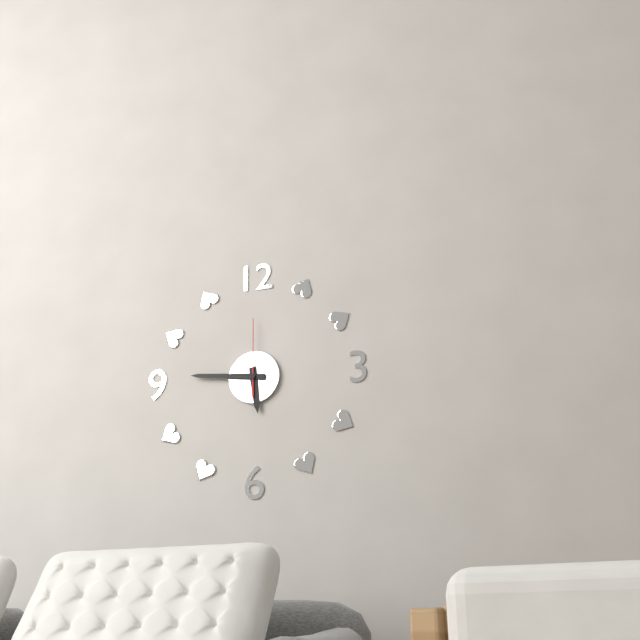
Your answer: **5:46:00**
